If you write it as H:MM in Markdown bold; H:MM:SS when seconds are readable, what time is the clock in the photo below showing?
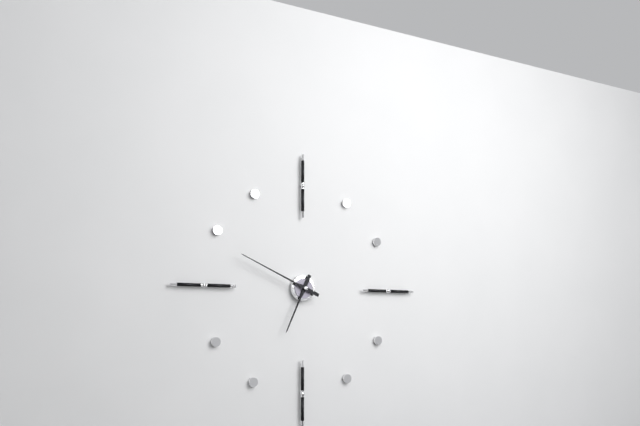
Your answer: **6:49**
